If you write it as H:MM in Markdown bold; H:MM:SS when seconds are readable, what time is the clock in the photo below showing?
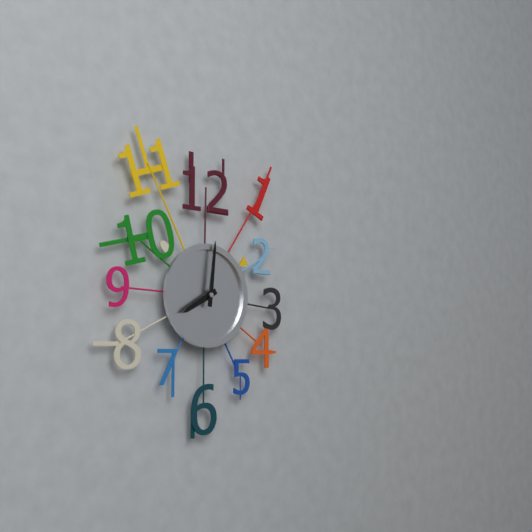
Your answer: **8:01**
